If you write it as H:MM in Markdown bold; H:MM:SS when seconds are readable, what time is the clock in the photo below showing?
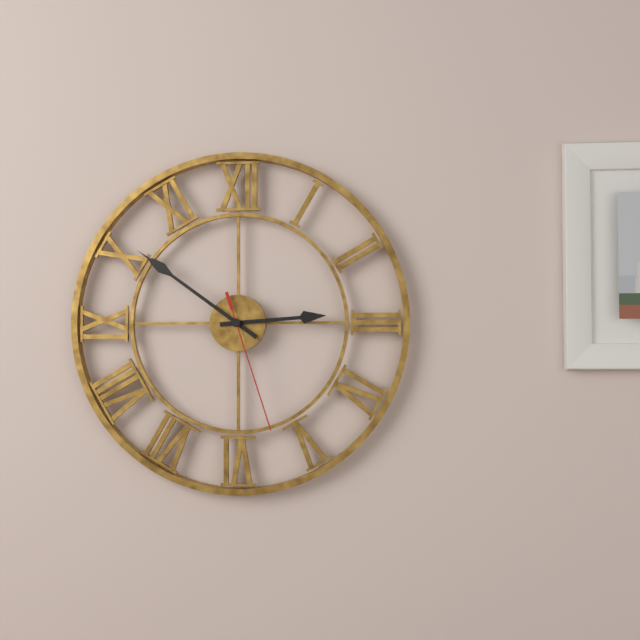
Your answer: **2:51:27**
